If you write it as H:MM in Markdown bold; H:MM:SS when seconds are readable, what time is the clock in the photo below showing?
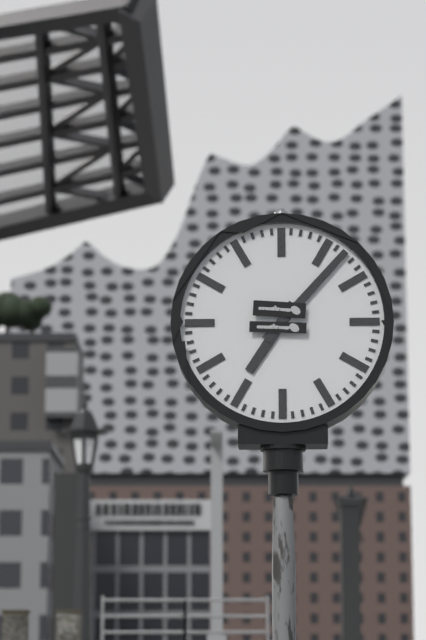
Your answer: **7:07**
